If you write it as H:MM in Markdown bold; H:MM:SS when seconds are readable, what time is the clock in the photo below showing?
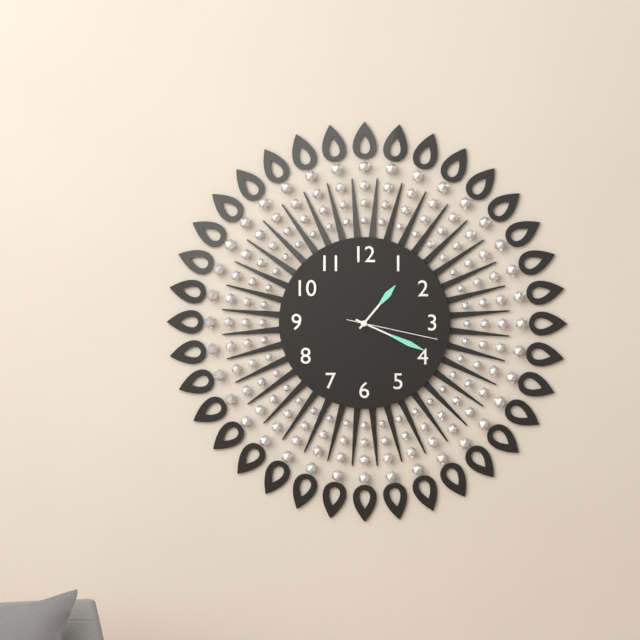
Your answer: **1:19:17**
